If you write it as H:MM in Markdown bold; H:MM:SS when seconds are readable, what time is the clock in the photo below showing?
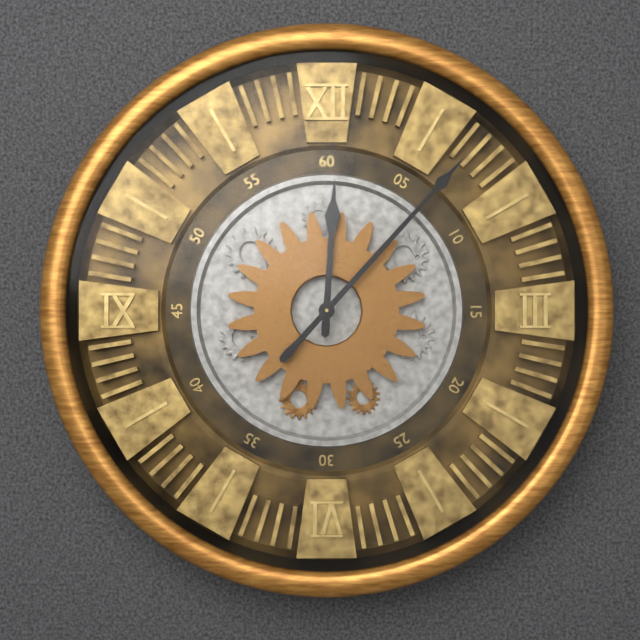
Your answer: **12:07**
